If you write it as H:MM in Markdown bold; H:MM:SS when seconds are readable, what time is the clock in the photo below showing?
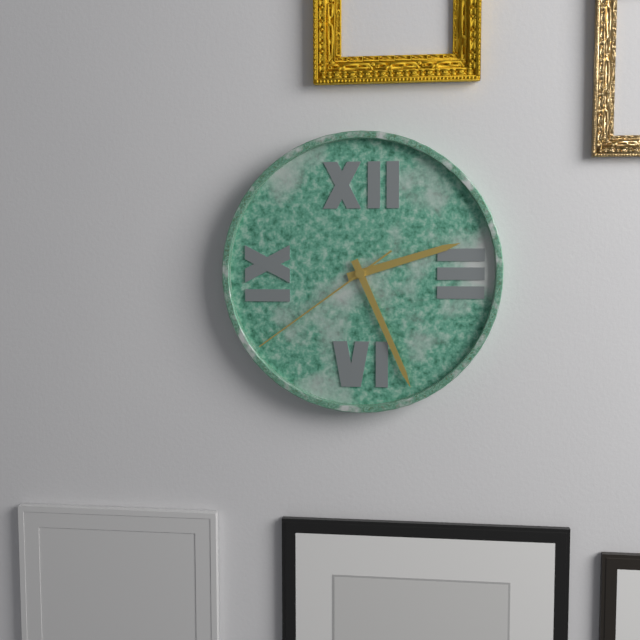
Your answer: **2:26:39**
